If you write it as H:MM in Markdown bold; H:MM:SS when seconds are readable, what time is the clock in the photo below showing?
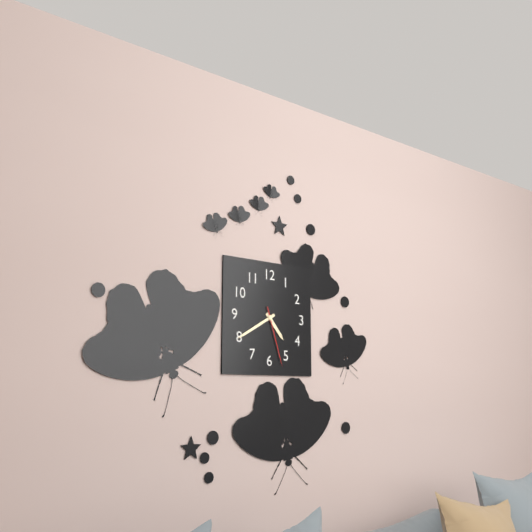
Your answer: **4:40:27**
